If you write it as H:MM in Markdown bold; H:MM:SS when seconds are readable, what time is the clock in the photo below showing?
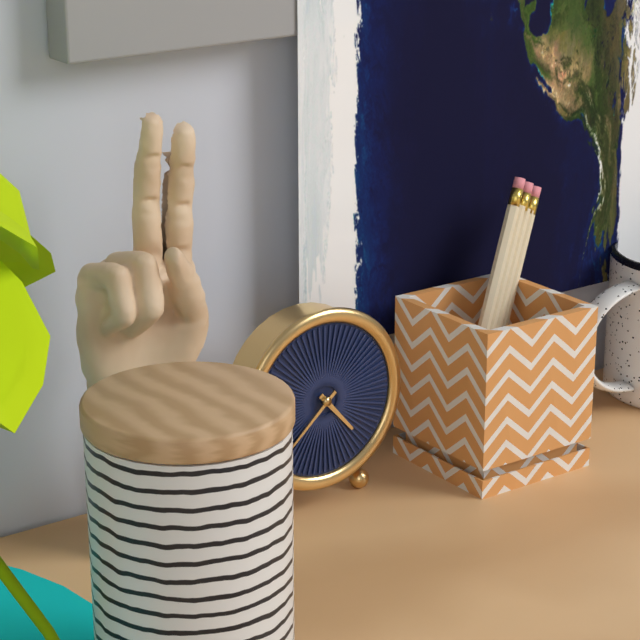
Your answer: **4:38**
